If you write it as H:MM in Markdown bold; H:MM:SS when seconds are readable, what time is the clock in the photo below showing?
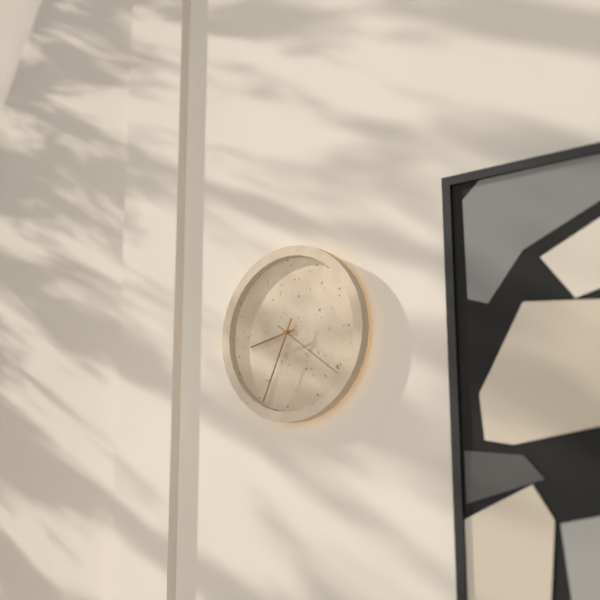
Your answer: **8:34:21**
